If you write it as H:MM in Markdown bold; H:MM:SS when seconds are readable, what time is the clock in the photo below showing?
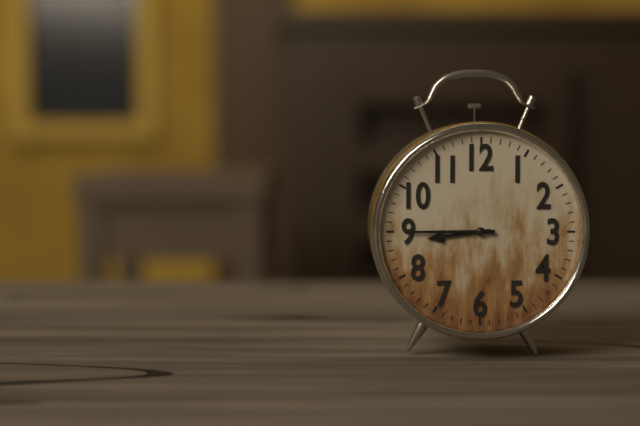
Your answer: **8:45**
